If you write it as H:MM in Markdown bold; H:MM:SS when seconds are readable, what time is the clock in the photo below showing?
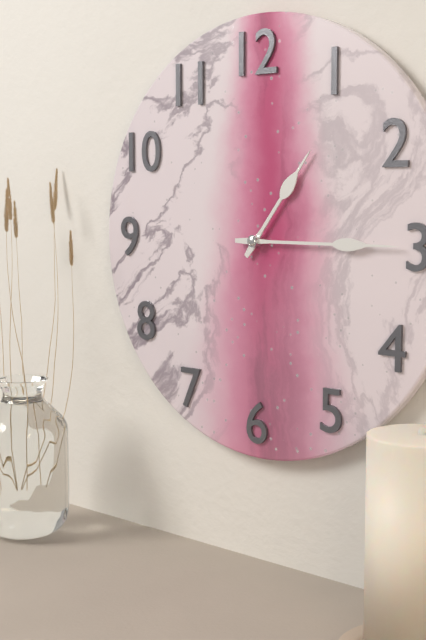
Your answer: **1:15**
